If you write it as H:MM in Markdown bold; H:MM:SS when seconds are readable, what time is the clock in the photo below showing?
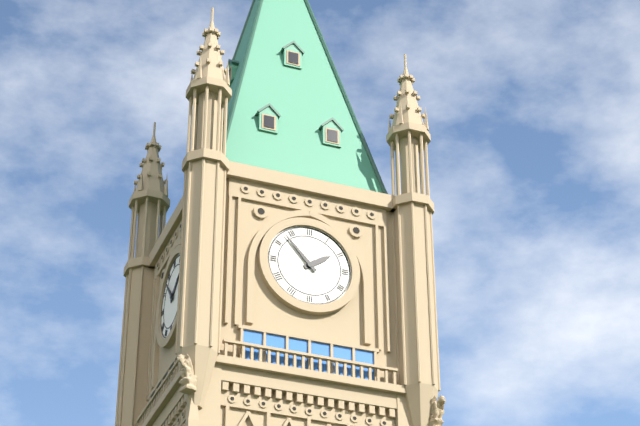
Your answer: **1:53**
